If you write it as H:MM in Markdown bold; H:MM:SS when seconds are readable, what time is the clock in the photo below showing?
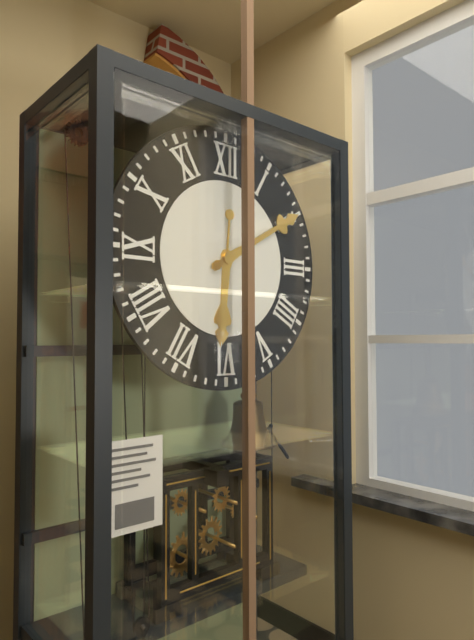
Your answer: **6:10**
